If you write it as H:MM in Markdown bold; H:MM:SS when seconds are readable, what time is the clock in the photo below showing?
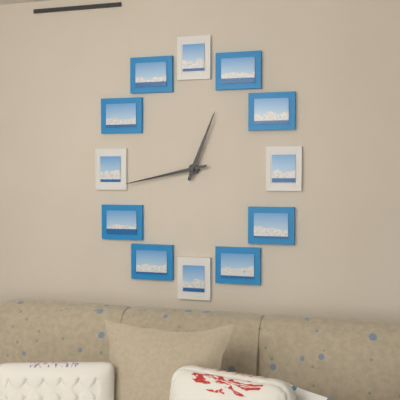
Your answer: **12:43**
